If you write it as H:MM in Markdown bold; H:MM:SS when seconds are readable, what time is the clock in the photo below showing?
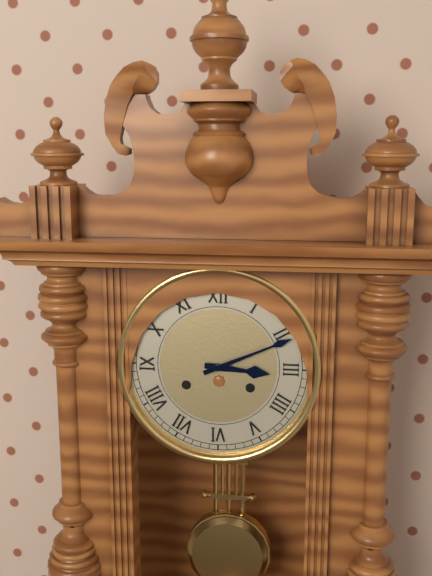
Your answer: **3:11**
